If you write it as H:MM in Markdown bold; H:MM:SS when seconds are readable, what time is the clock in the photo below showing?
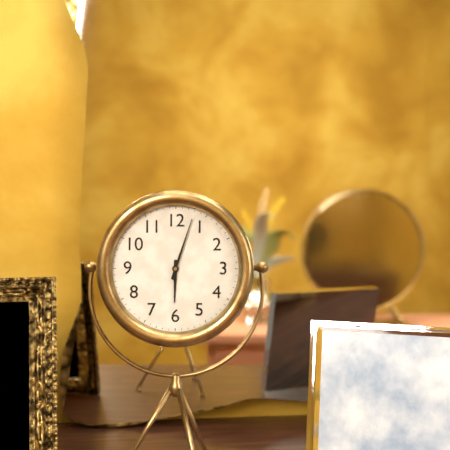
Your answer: **6:03**
